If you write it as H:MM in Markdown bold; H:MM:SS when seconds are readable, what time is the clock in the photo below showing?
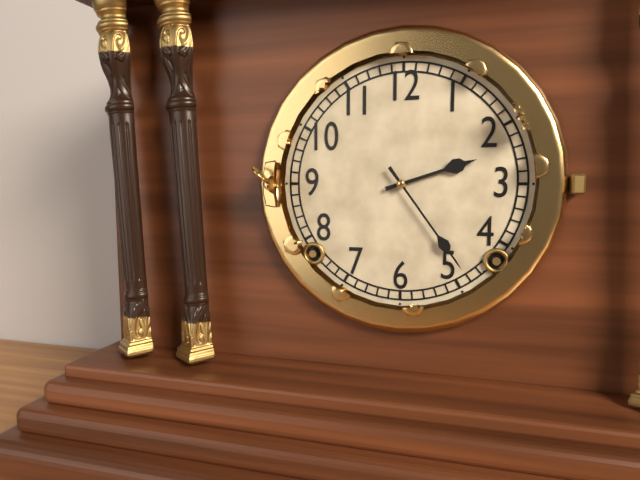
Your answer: **2:24**
